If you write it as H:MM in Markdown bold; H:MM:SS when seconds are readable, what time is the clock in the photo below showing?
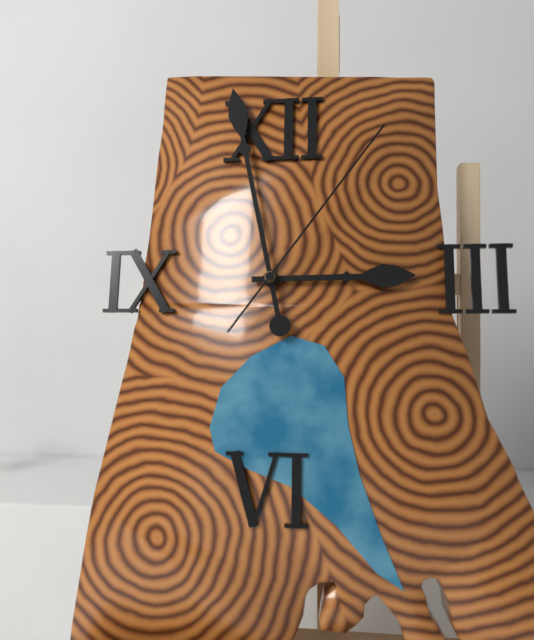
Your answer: **2:58:06**
